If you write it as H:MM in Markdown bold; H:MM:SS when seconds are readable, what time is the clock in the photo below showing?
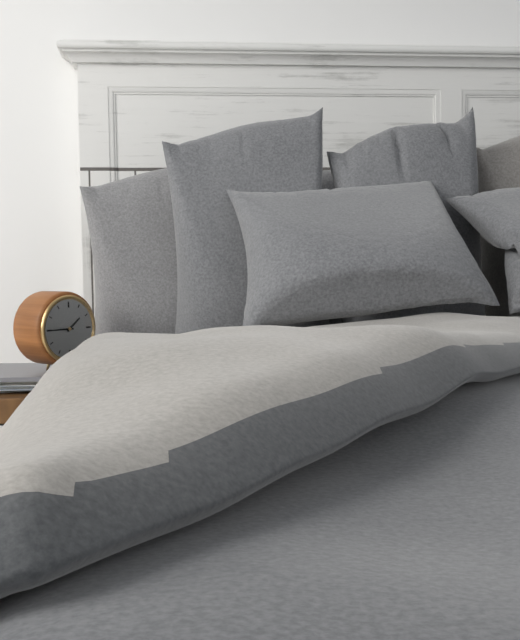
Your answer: **1:45**
